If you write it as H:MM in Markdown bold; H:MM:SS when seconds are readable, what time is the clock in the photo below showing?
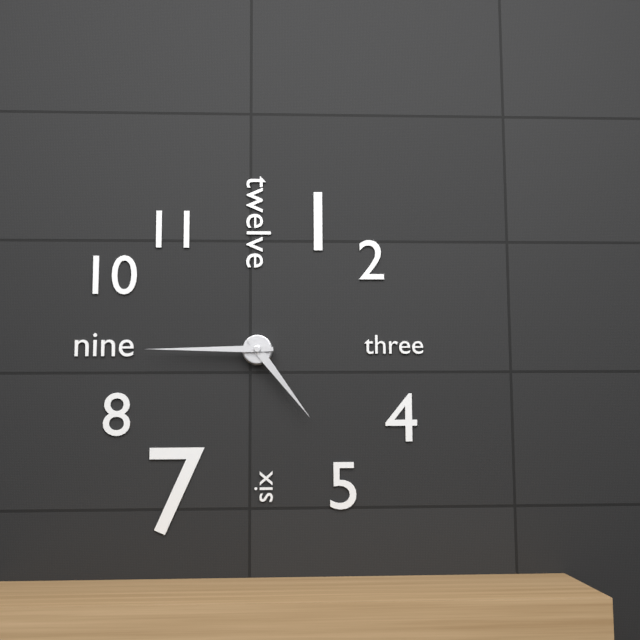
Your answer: **4:45**
